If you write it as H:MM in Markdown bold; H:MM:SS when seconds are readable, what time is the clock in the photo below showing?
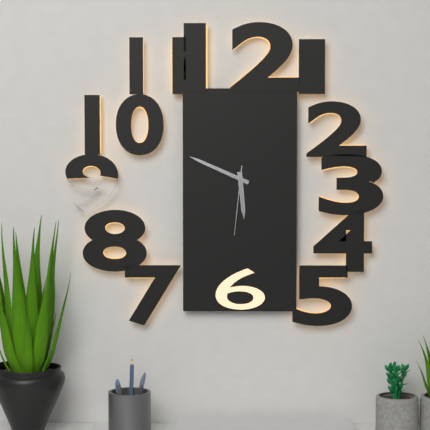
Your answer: **5:49:31**
